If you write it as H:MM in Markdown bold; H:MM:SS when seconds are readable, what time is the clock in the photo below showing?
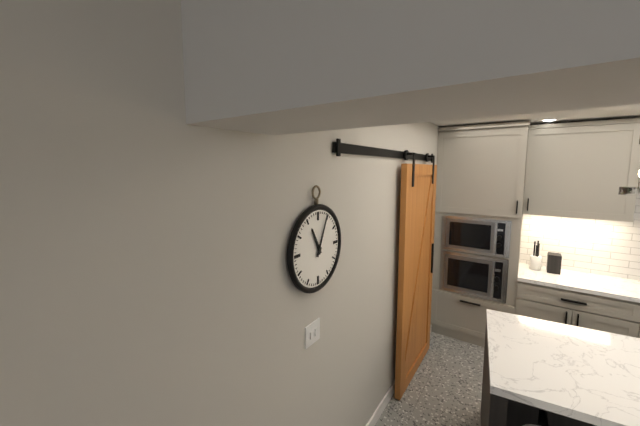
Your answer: **11:04**
